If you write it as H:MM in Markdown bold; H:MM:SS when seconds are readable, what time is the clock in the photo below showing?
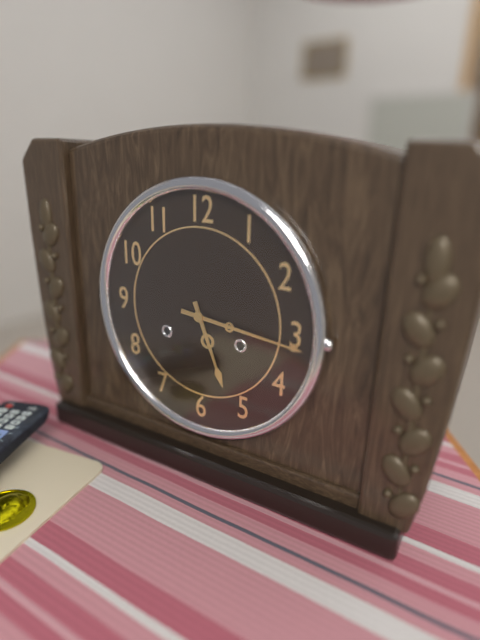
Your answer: **5:16**
